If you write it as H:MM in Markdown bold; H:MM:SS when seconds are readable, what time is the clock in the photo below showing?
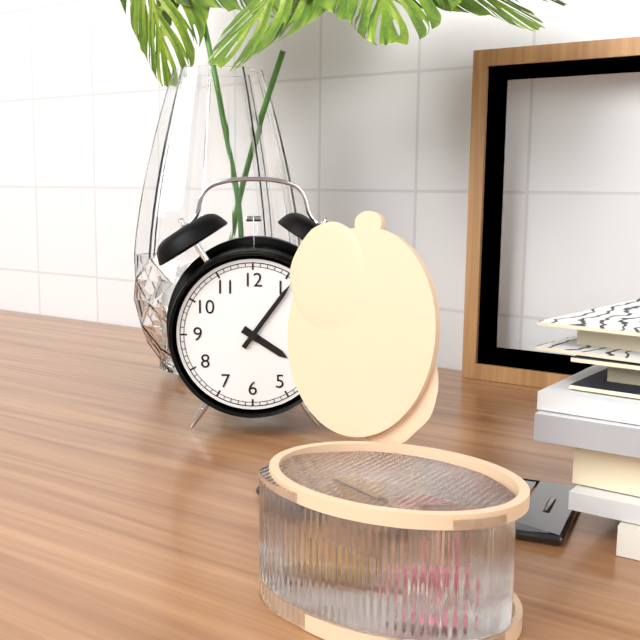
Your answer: **4:06**
